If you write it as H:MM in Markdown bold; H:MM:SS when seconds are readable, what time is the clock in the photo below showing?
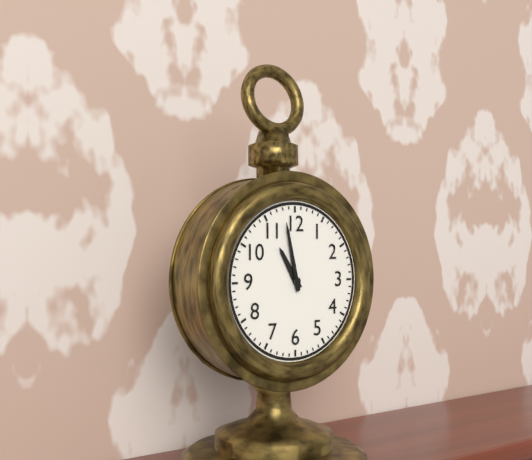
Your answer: **10:58**
